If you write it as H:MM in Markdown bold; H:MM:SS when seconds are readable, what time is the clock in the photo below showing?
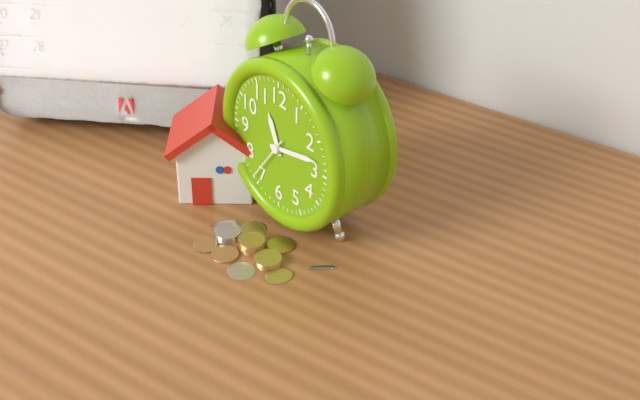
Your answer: **11:13**
